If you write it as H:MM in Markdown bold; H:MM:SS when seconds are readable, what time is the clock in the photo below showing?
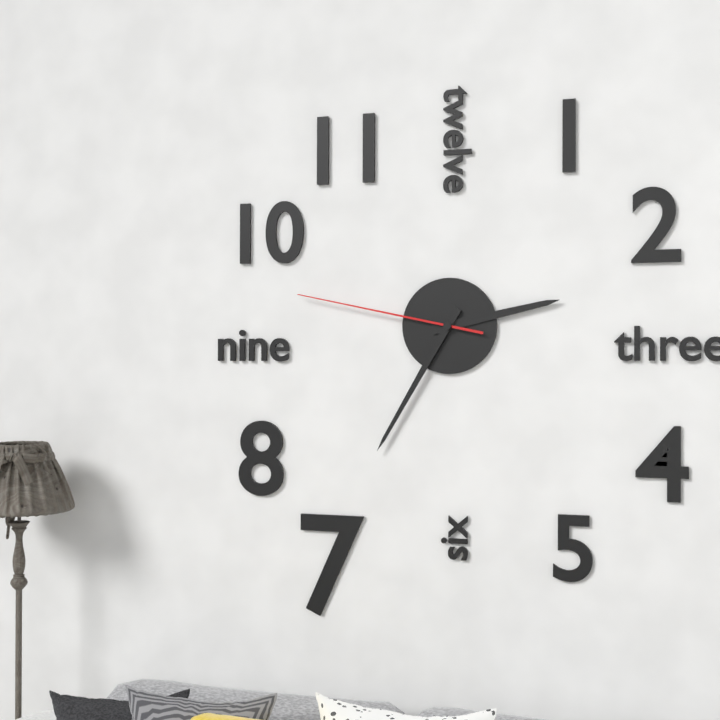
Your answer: **2:35:47**
